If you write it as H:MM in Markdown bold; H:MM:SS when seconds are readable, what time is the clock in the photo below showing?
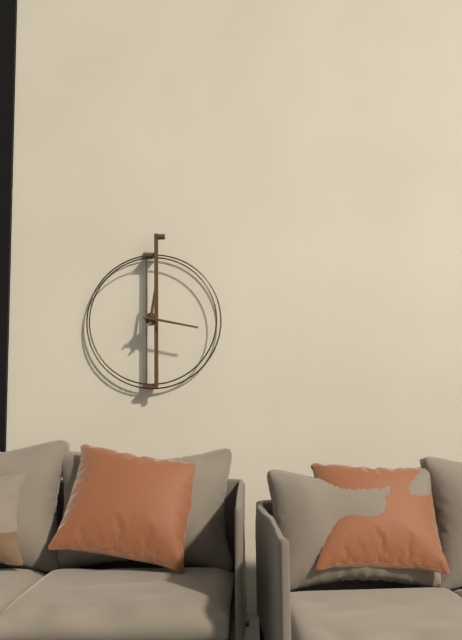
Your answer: **12:17**
